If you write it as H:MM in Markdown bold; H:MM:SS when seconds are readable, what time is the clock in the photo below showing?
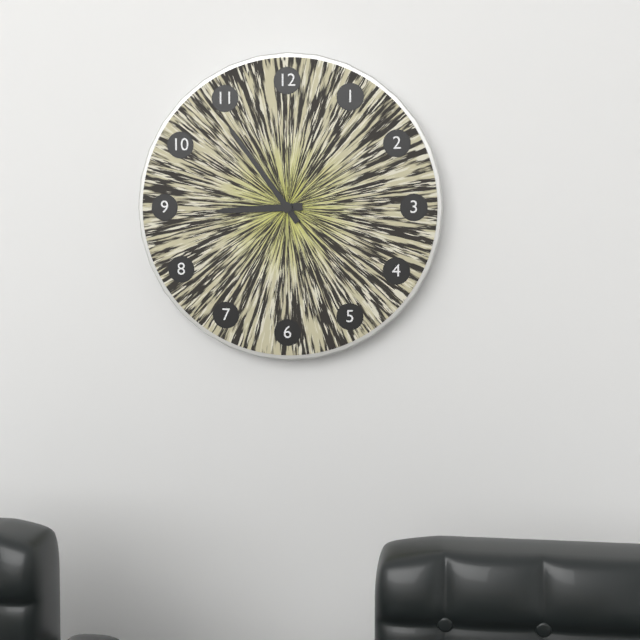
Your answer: **8:54**
